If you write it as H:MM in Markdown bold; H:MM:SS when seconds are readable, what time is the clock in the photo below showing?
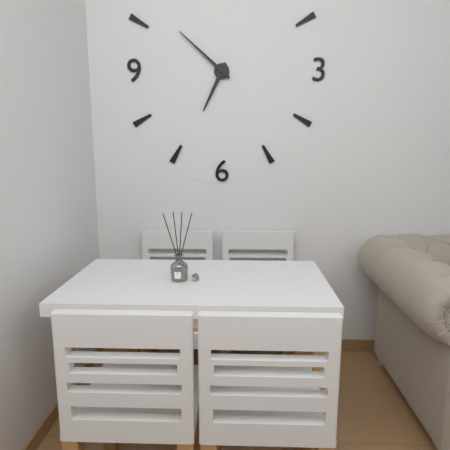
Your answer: **6:52**
